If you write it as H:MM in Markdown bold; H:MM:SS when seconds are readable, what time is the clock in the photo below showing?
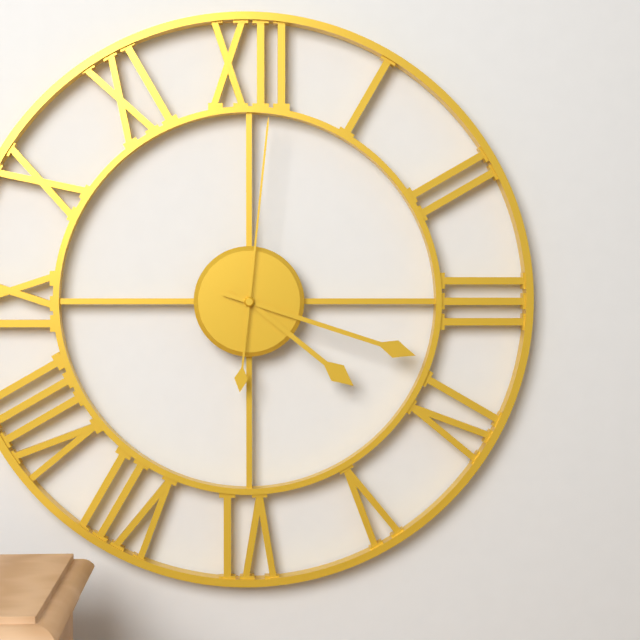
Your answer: **4:18:01**
